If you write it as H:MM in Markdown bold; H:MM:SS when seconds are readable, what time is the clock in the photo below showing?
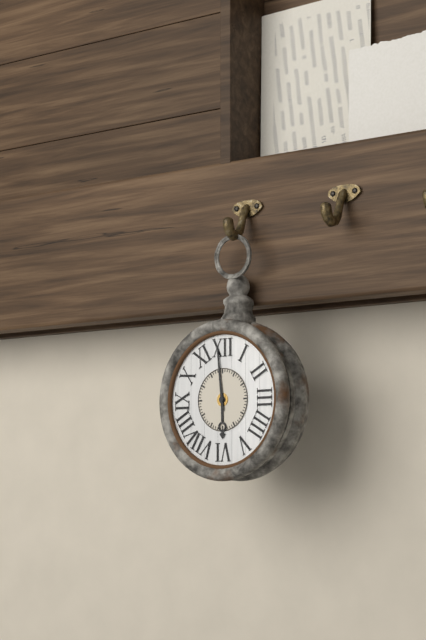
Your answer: **5:59**
